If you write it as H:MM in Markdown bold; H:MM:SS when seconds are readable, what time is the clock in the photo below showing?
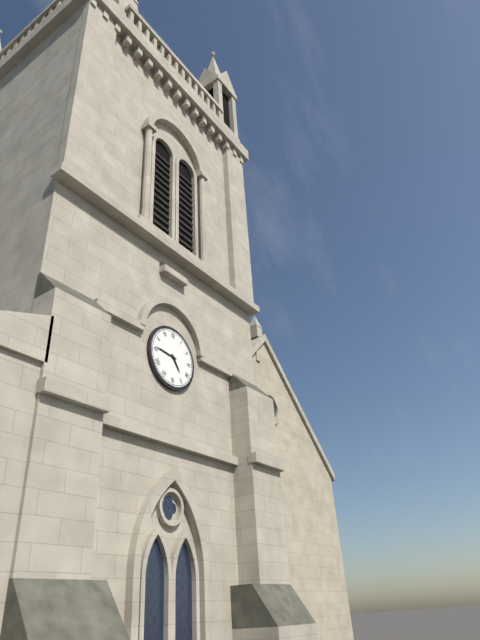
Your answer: **4:46**
